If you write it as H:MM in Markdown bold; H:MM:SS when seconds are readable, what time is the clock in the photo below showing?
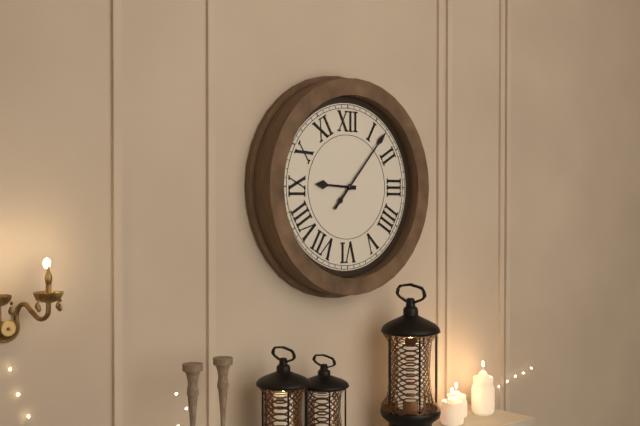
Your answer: **9:07**
